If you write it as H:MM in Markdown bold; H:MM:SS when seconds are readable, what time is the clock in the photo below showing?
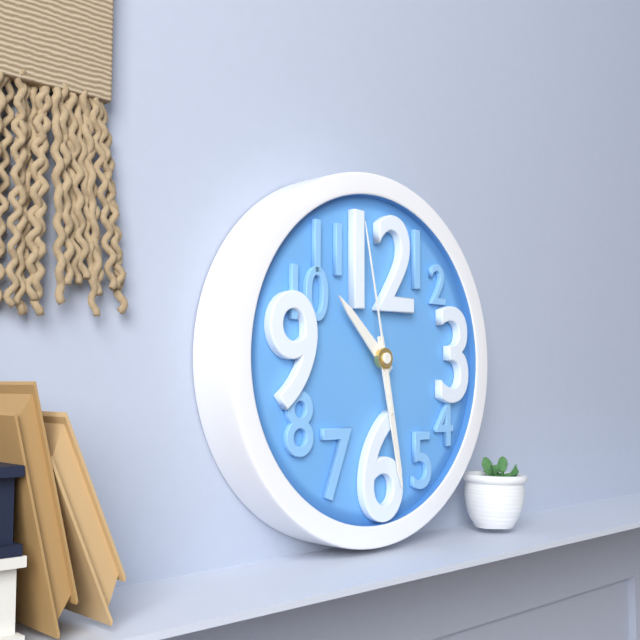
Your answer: **10:28:58**
